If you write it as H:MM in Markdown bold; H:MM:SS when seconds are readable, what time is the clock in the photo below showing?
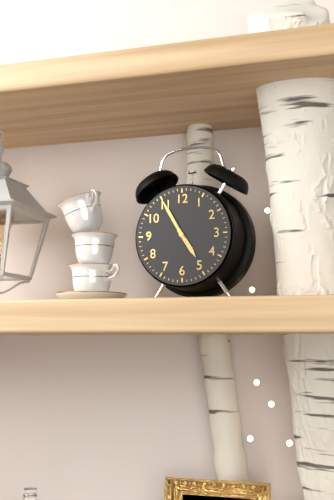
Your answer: **4:55**
